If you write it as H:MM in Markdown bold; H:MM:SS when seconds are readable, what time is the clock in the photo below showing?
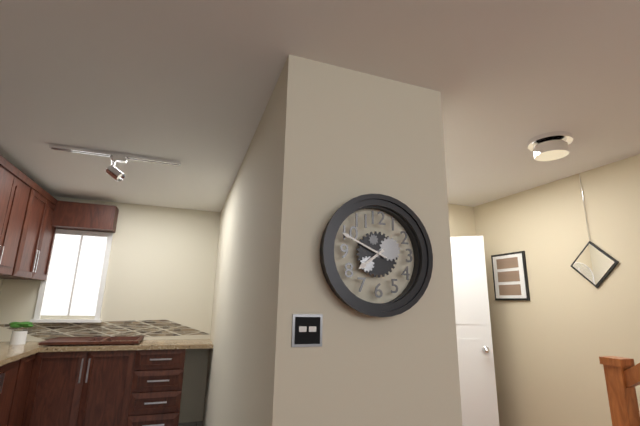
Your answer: **7:49**
